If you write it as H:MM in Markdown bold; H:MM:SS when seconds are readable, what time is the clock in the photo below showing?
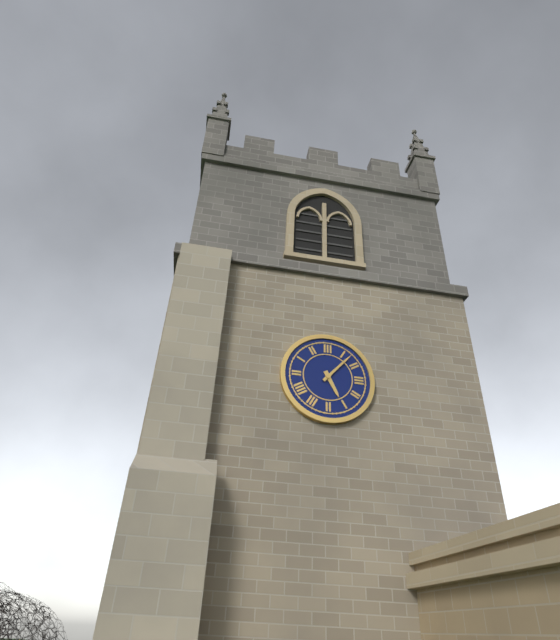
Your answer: **5:07**
